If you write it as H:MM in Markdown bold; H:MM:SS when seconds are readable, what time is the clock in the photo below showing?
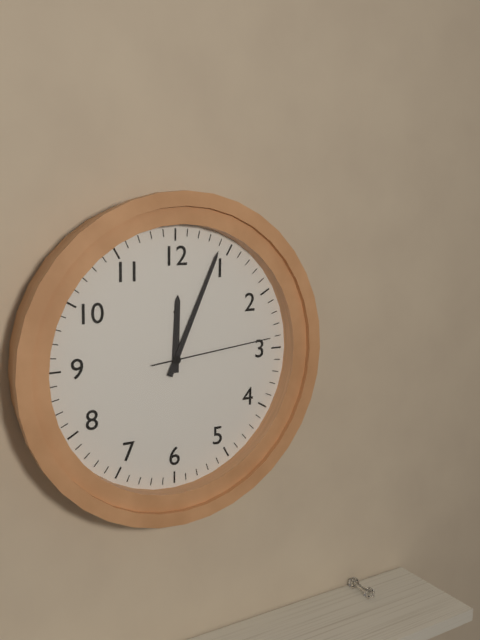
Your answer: **12:04:14**
